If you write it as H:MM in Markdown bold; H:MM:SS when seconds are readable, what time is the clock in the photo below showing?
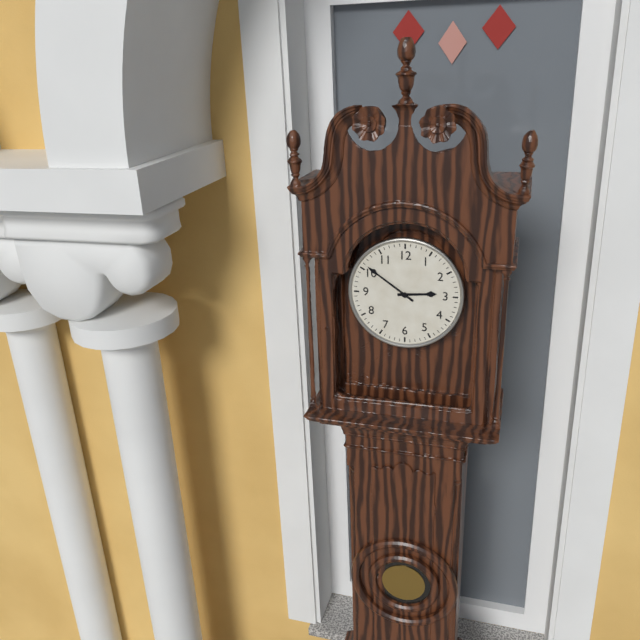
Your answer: **2:51**
